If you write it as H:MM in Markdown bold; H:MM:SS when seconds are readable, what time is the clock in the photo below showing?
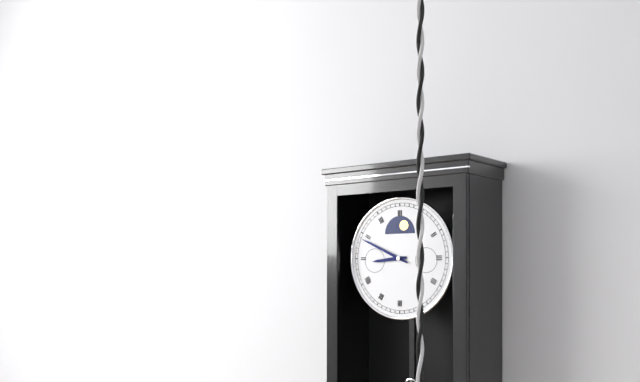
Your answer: **8:49**
